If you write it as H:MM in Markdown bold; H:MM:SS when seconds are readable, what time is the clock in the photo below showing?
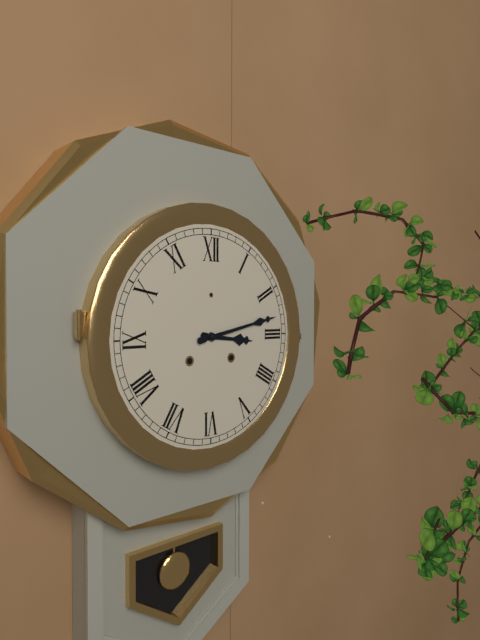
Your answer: **3:13**
